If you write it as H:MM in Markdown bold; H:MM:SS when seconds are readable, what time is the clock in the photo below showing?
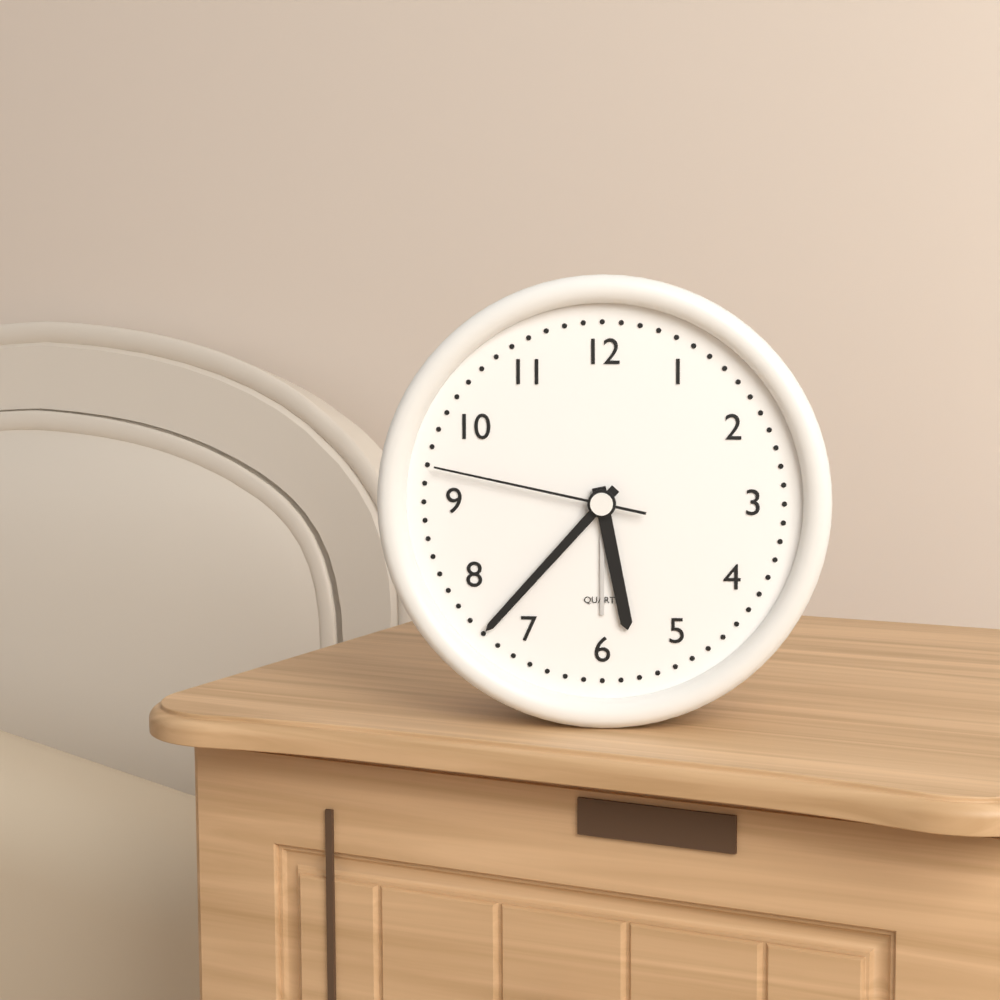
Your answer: **5:37:47**
